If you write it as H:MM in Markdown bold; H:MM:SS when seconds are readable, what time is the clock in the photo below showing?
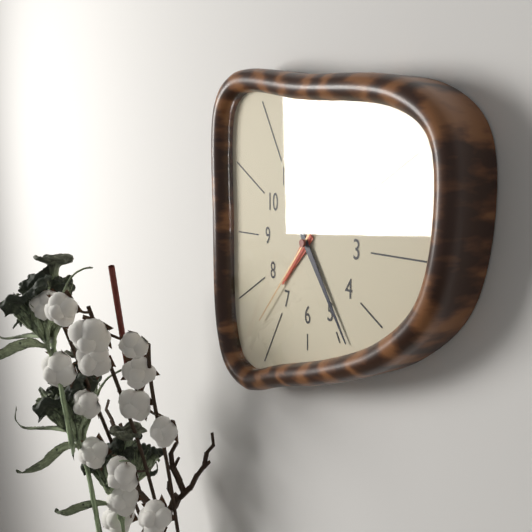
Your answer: **7:24:37**
